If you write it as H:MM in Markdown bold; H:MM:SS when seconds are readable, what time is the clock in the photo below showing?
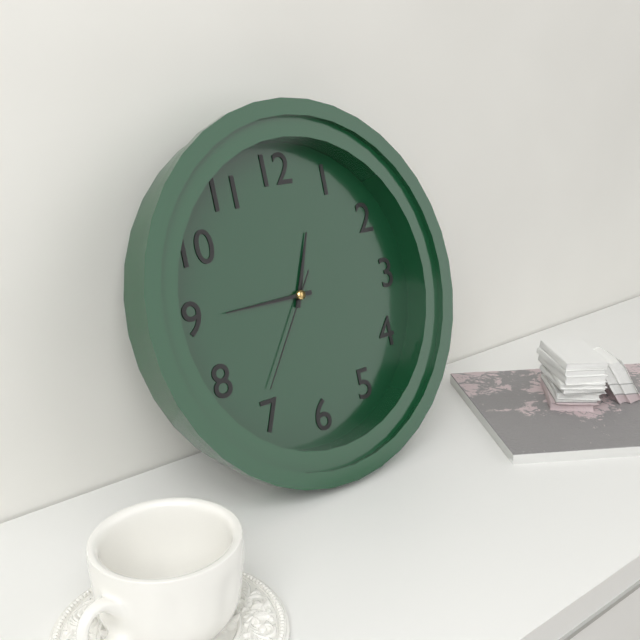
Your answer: **12:45:36**
